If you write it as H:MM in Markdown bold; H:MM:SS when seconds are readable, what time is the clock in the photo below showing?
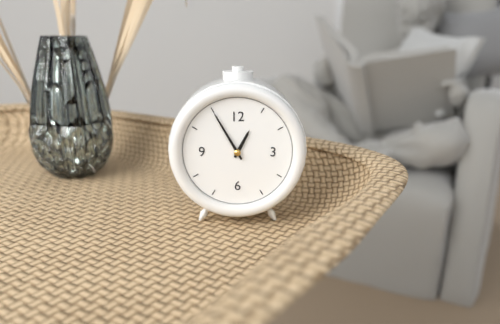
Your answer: **12:55**
